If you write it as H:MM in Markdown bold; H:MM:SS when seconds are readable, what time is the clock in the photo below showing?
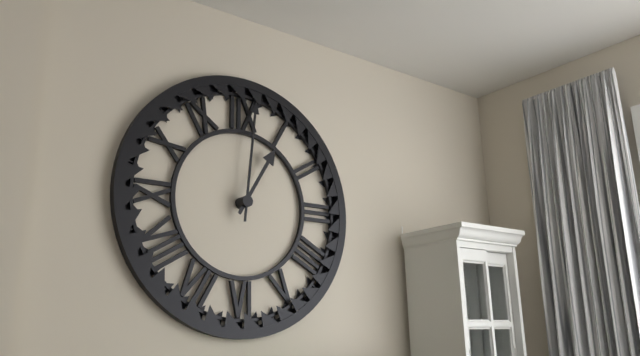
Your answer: **1:01**
